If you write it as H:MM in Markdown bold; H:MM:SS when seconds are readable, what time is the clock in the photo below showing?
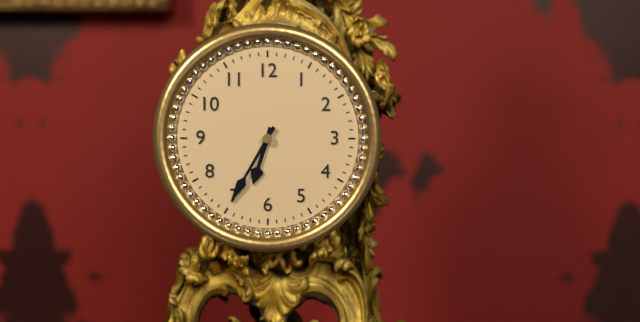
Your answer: **6:35**
